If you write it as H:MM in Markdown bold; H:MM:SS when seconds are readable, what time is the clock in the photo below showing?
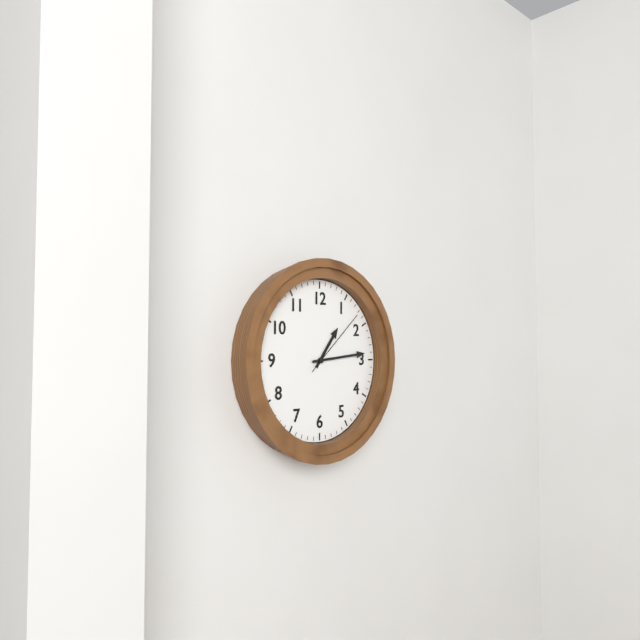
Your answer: **1:14:08**
